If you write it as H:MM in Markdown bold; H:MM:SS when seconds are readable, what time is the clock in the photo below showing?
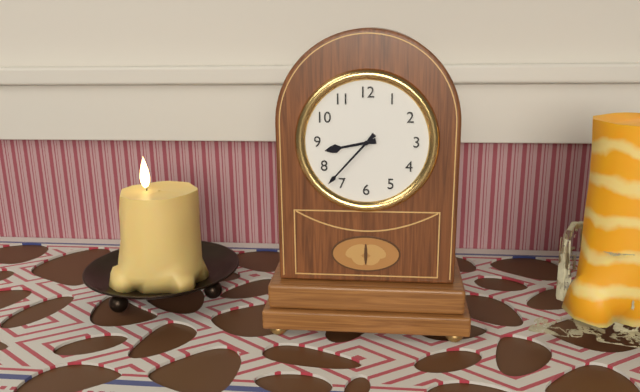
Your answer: **8:37**
